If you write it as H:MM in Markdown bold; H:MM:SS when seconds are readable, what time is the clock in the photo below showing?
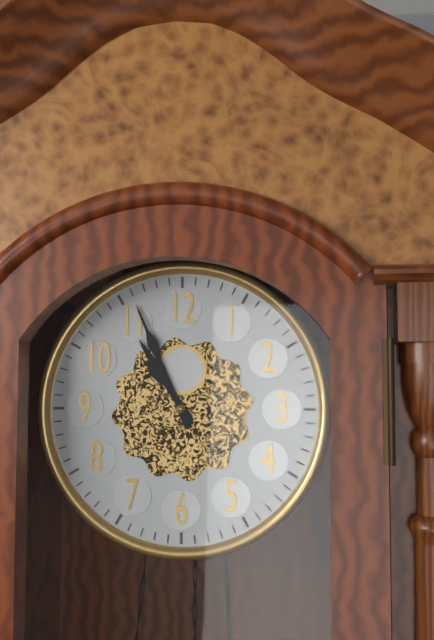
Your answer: **10:56**
